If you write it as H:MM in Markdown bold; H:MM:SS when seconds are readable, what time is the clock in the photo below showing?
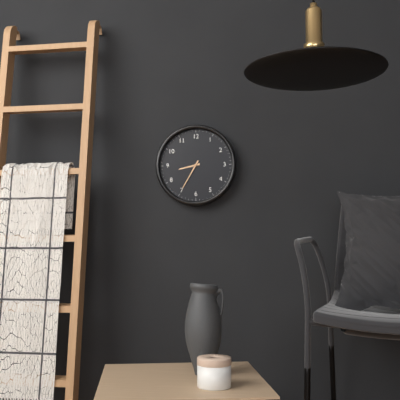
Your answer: **8:35**
